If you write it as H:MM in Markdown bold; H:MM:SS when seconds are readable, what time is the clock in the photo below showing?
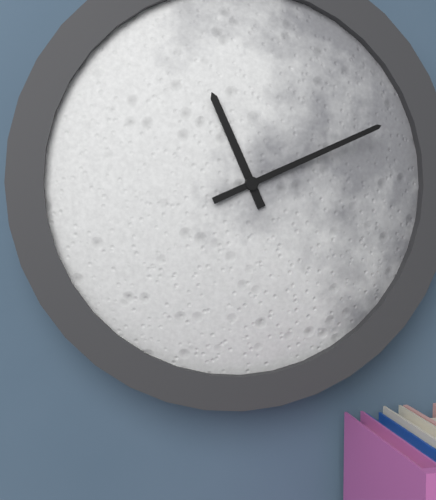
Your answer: **11:11**
